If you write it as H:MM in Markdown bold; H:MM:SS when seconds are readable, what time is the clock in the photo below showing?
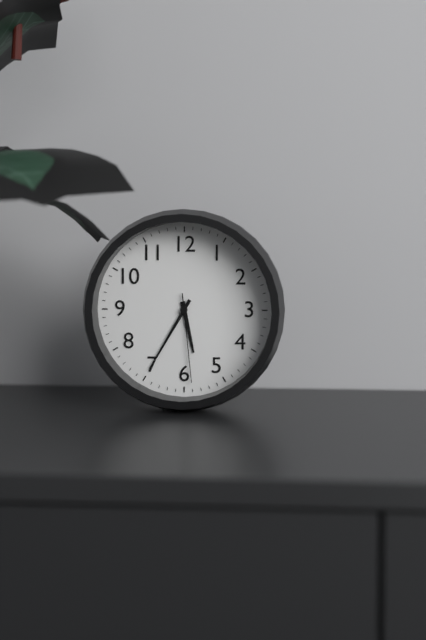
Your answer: **5:35:29**
